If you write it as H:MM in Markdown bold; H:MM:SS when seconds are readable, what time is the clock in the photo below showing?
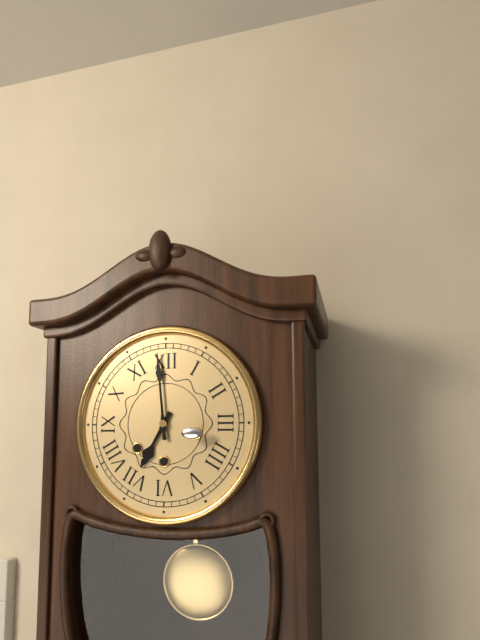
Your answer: **6:59**
